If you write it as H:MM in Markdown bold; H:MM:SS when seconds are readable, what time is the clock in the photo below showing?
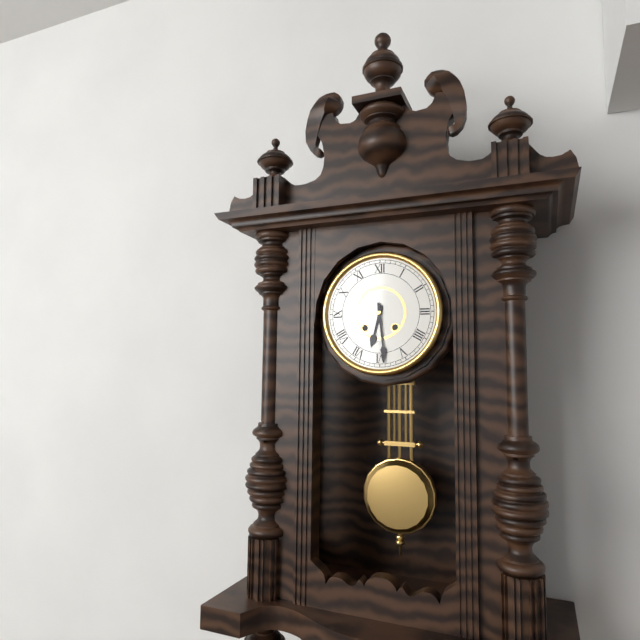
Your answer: **6:29**
